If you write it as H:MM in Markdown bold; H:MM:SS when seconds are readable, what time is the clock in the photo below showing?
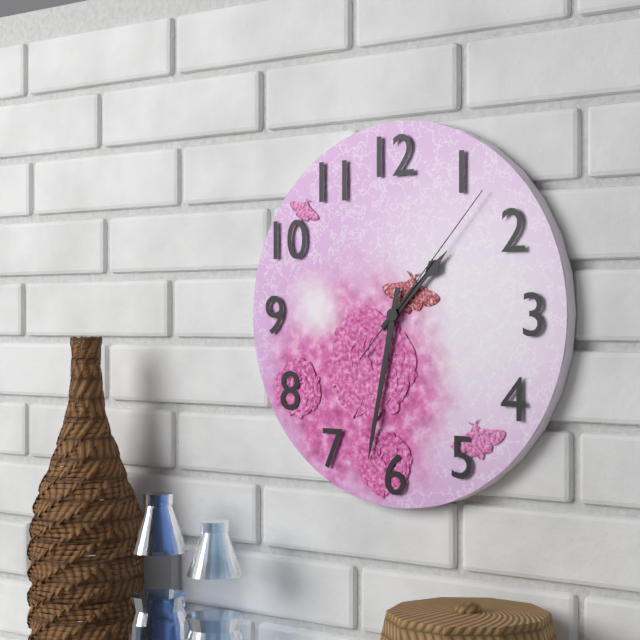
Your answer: **1:32:07**
